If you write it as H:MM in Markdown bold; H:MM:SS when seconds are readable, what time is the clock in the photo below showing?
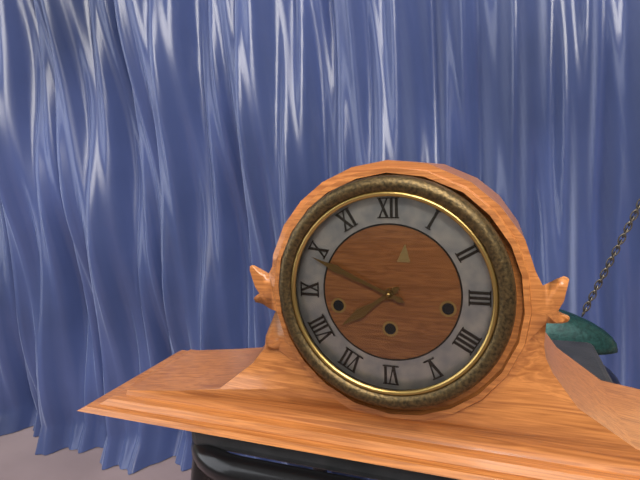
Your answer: **7:49**
